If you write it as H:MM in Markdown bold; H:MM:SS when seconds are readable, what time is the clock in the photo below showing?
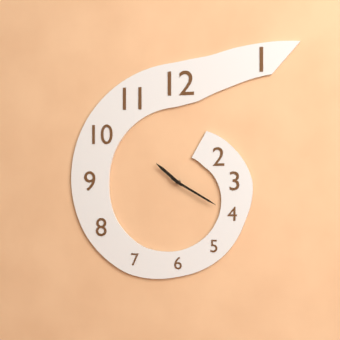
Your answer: **10:20**
